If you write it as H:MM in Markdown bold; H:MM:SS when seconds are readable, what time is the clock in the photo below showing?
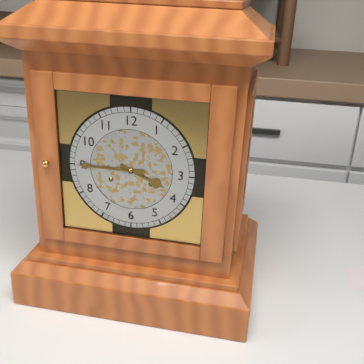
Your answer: **3:45**
